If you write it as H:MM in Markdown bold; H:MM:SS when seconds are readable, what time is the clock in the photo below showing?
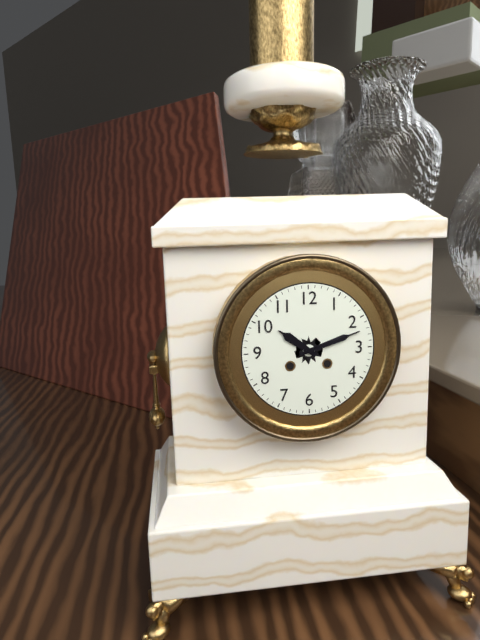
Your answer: **10:12**
